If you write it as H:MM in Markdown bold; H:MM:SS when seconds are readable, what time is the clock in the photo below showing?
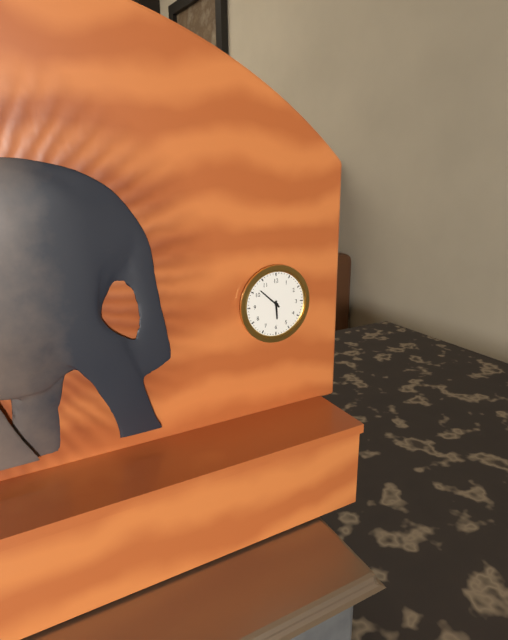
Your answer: **5:52**
